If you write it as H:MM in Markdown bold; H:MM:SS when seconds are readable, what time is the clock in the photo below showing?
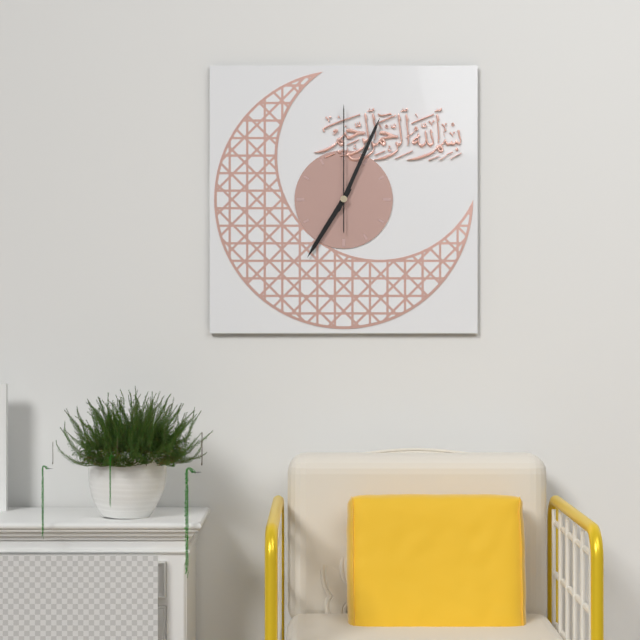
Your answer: **7:04:00**
